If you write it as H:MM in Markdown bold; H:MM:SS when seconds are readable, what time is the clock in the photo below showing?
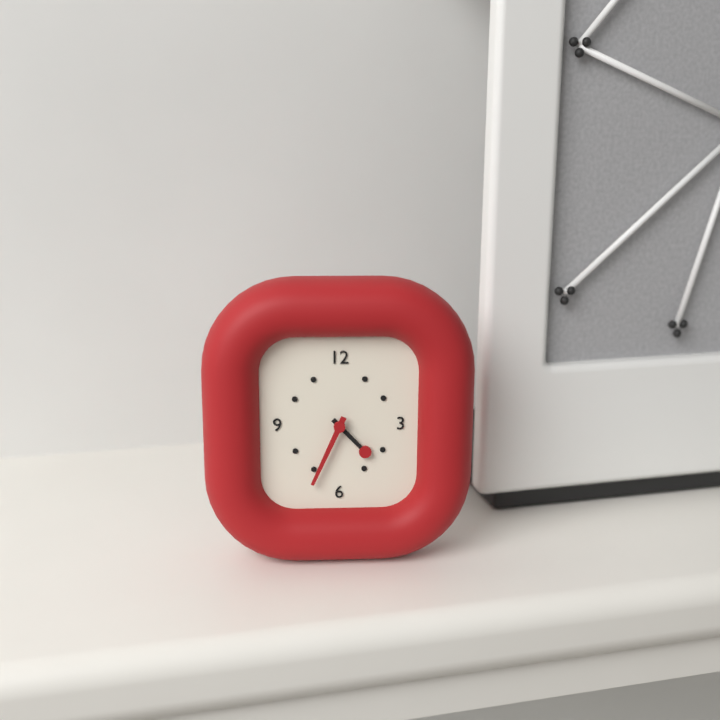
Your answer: **4:34**
